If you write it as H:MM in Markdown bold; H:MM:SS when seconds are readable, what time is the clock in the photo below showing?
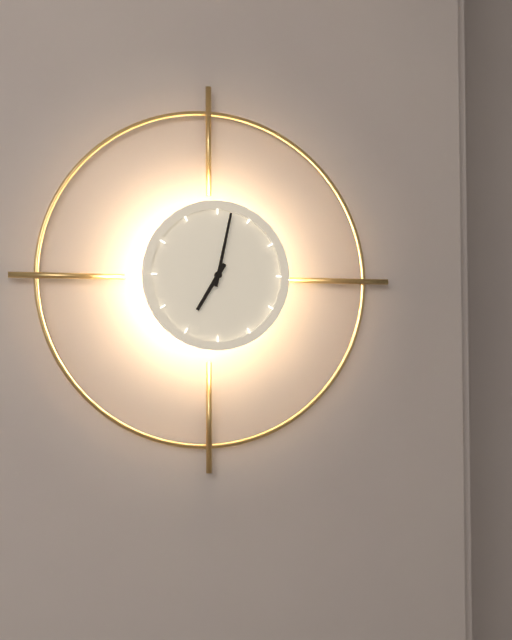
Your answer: **7:02**
